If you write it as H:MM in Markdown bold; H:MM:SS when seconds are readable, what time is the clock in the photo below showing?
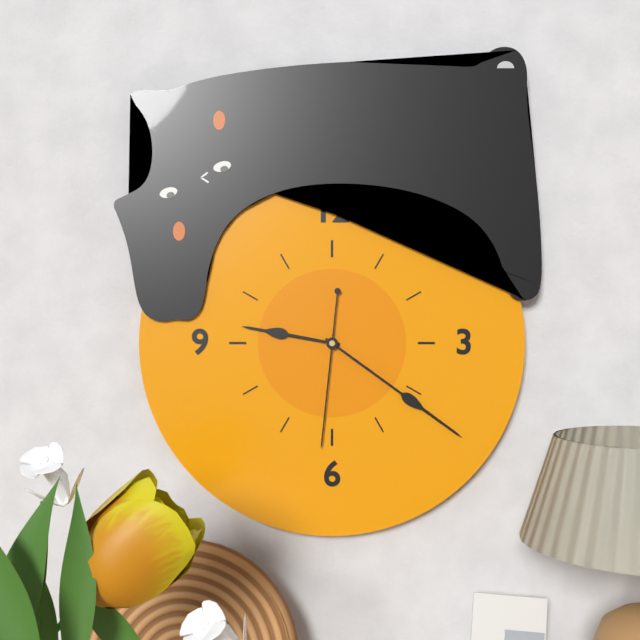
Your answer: **9:21:31**
